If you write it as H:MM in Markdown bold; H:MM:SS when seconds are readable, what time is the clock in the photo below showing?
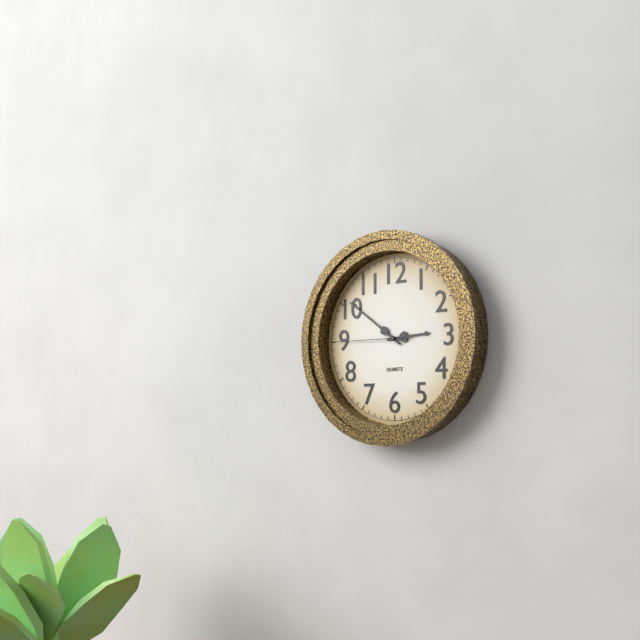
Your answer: **2:51:45**
